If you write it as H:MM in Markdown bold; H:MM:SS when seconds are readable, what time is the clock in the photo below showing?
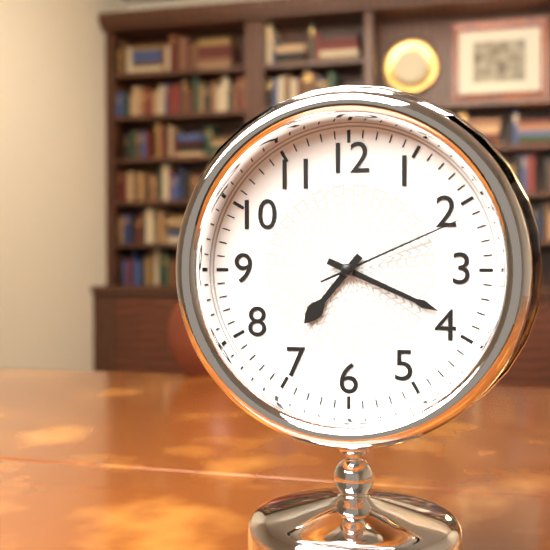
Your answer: **7:19:11**
